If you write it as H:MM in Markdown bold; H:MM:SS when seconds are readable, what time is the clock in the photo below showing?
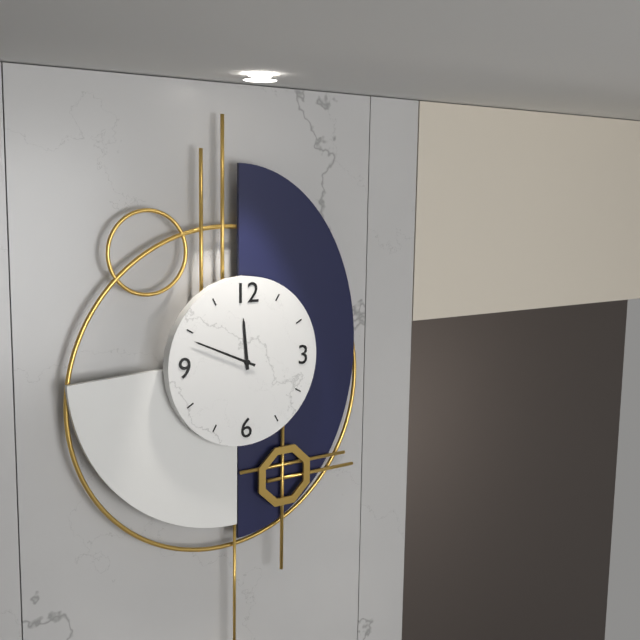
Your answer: **11:49**
